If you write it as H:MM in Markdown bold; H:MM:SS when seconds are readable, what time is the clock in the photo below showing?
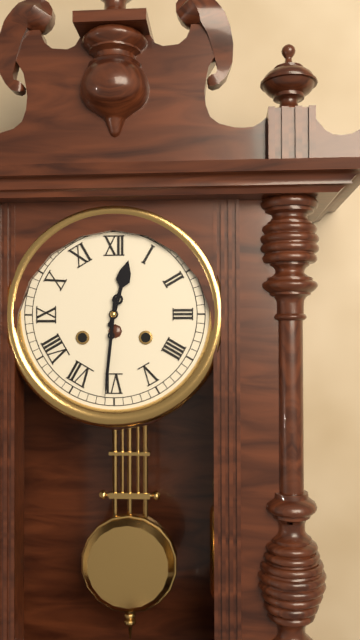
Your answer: **12:31**
